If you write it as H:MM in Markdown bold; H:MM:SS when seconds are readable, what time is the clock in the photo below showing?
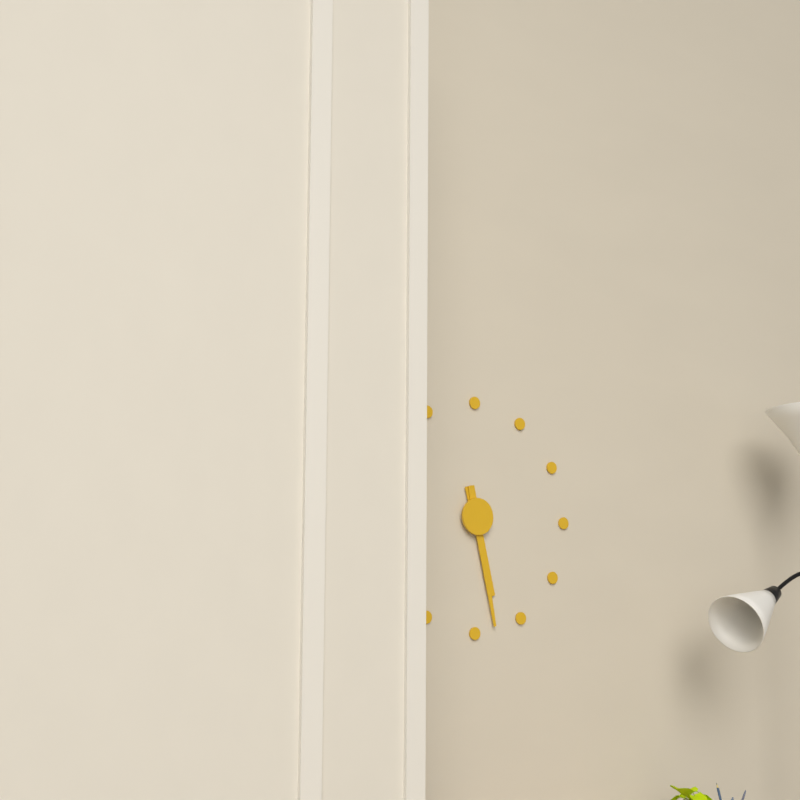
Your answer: **5:28**
